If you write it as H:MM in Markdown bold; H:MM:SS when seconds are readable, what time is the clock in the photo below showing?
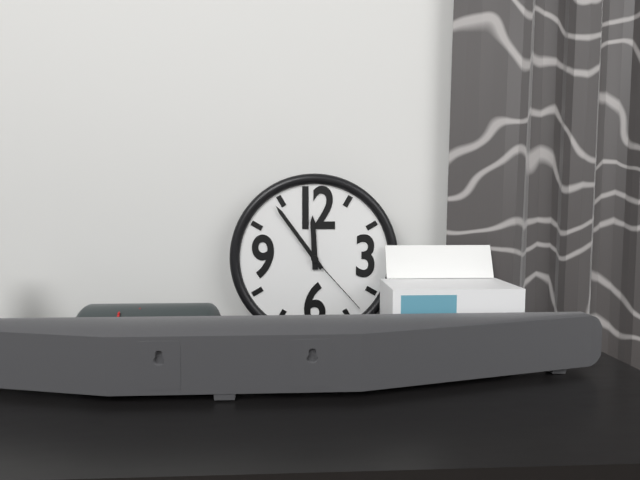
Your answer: **11:54:23**
